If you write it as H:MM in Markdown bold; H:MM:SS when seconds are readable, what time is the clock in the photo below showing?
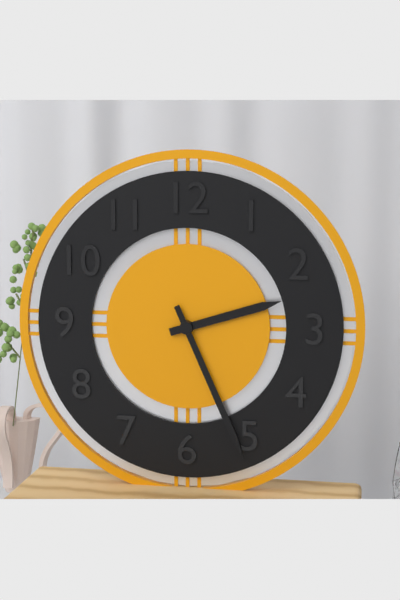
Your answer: **2:26**
